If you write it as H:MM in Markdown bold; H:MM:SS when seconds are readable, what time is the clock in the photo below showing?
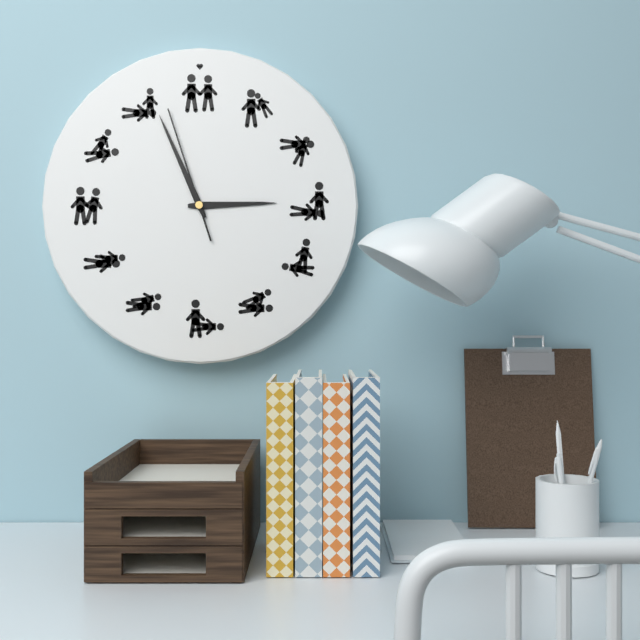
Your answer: **2:56:57**
